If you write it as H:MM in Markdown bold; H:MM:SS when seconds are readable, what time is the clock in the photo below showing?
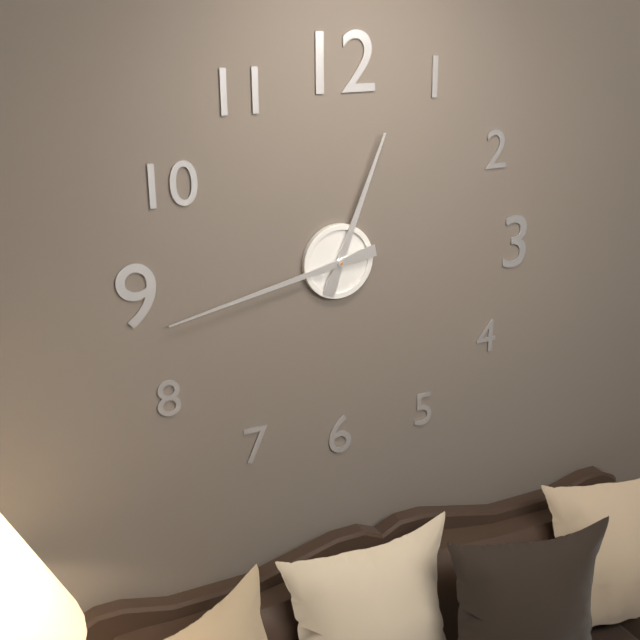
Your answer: **12:43**
